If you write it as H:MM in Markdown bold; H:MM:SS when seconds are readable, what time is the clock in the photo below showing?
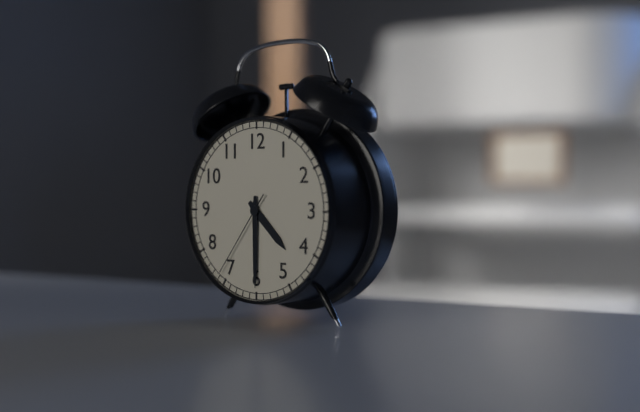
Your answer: **4:30:36**
